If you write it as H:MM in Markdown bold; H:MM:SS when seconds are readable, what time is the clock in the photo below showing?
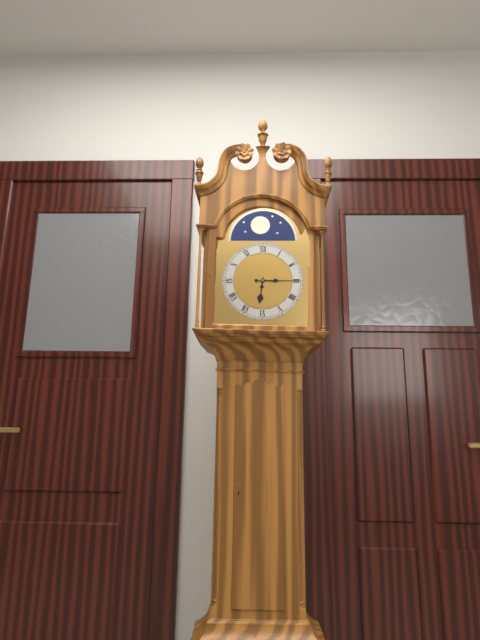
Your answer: **6:15**
